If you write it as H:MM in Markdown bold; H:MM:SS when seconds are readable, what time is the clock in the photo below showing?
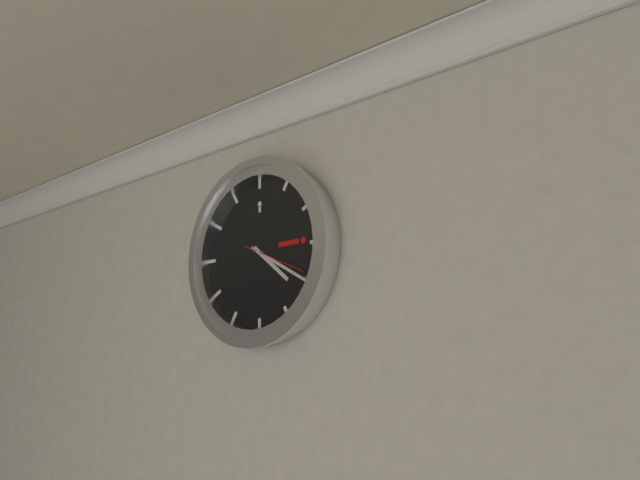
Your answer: **4:20:19**
